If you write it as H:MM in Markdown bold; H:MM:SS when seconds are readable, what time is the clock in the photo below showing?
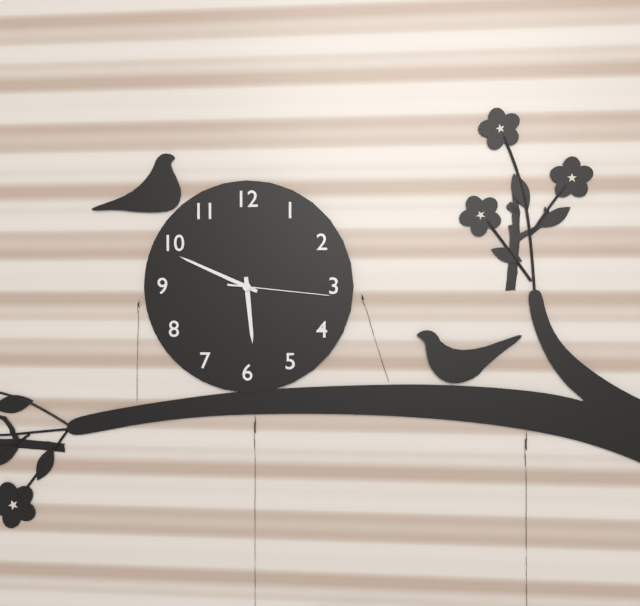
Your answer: **5:49:16**
